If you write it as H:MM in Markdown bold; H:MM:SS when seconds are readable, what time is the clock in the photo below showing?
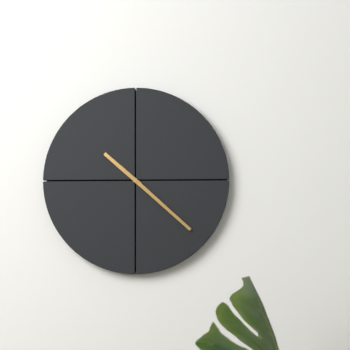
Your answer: **10:22**
